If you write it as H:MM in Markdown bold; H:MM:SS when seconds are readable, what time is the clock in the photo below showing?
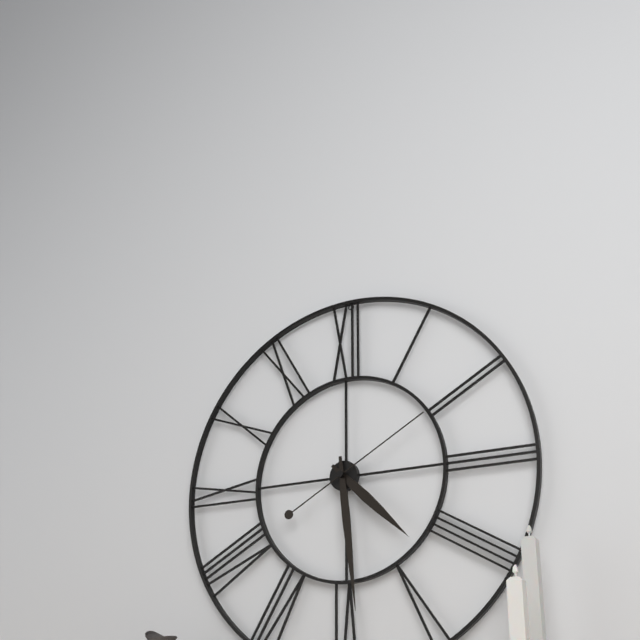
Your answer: **4:29:10**
